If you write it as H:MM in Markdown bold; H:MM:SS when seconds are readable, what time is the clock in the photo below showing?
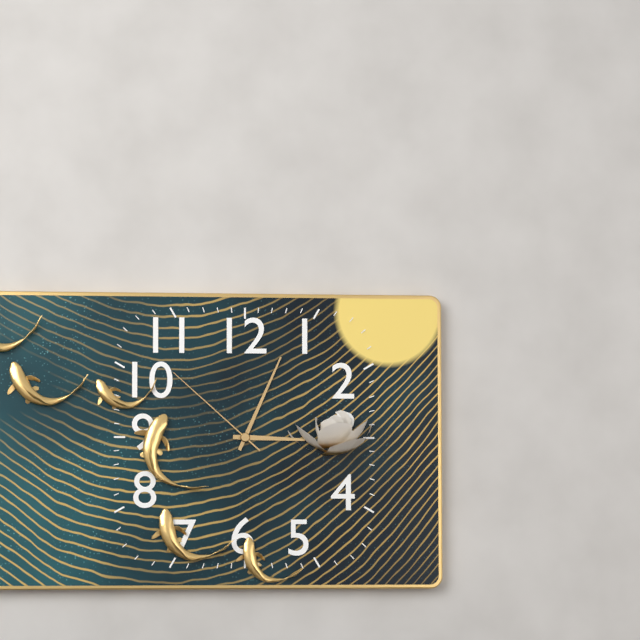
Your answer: **3:04:52**
